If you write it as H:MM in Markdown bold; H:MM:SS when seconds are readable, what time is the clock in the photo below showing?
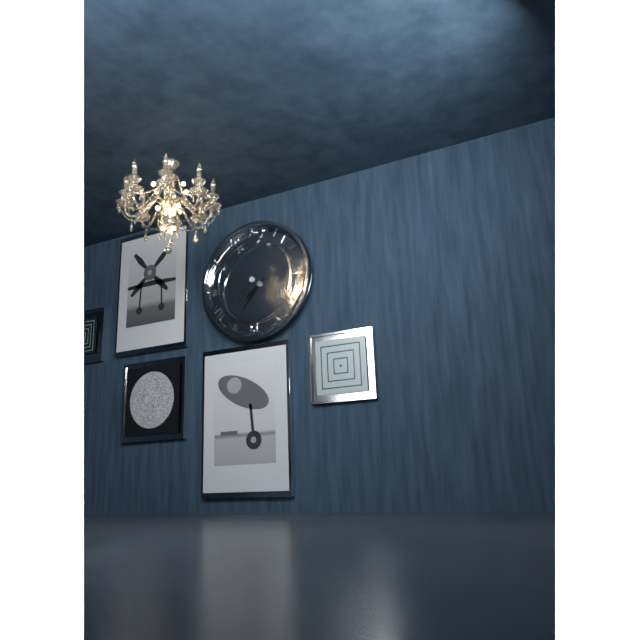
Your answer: **7:36**
